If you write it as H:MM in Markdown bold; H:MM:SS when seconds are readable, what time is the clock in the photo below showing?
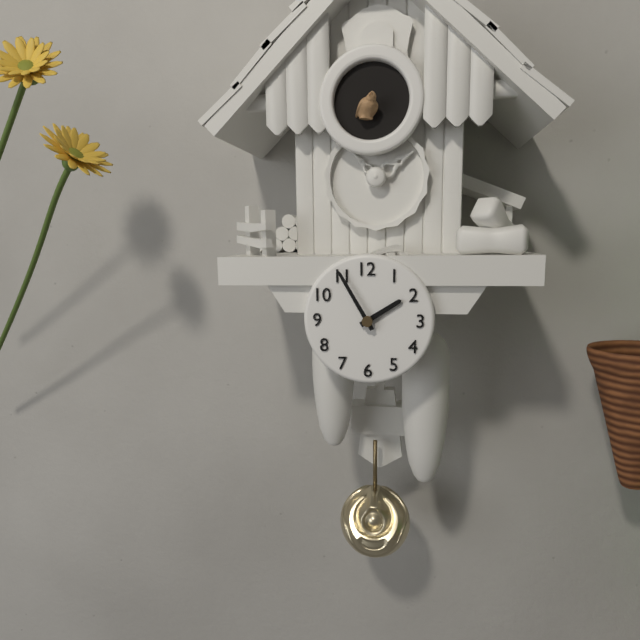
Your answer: **1:55**
